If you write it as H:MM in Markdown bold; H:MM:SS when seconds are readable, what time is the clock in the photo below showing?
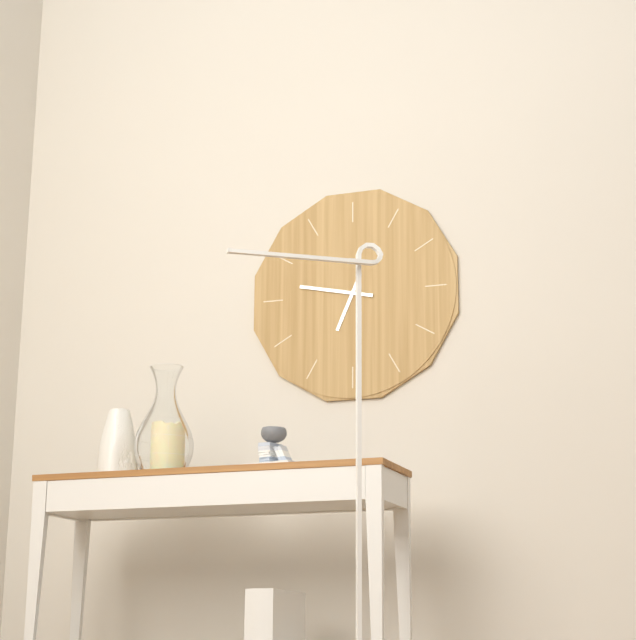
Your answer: **6:47**
